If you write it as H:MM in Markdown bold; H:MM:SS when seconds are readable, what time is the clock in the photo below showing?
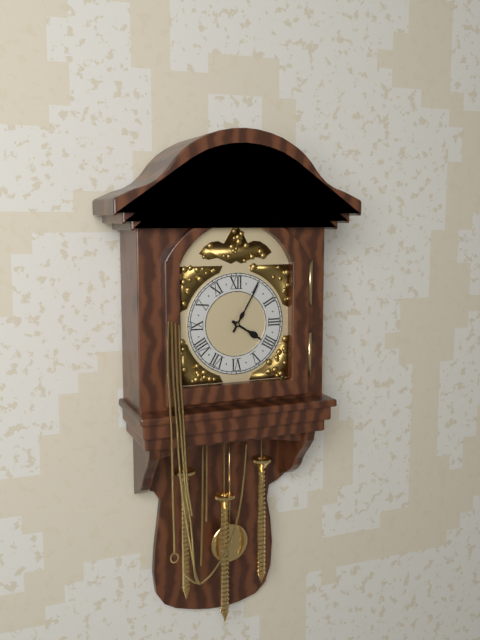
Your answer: **4:05**
